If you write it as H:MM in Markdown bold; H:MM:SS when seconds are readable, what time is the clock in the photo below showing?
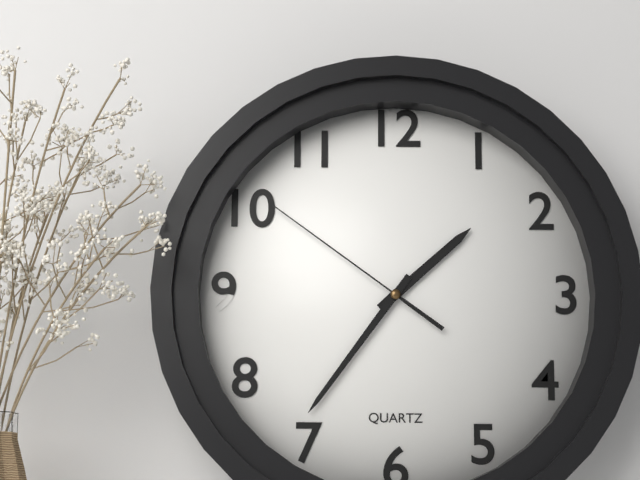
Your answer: **1:36:51**
